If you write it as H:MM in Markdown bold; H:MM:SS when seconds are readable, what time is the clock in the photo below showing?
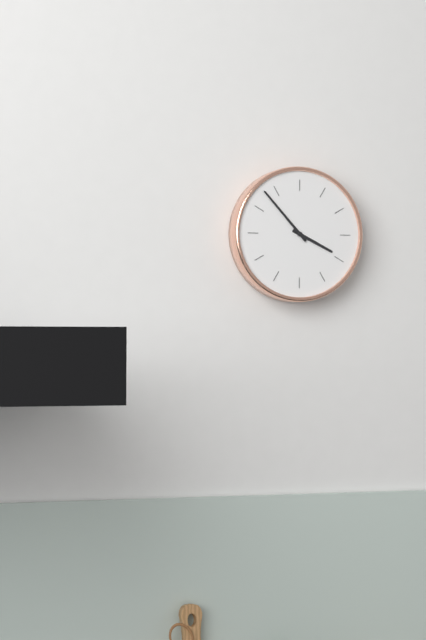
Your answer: **3:53**
